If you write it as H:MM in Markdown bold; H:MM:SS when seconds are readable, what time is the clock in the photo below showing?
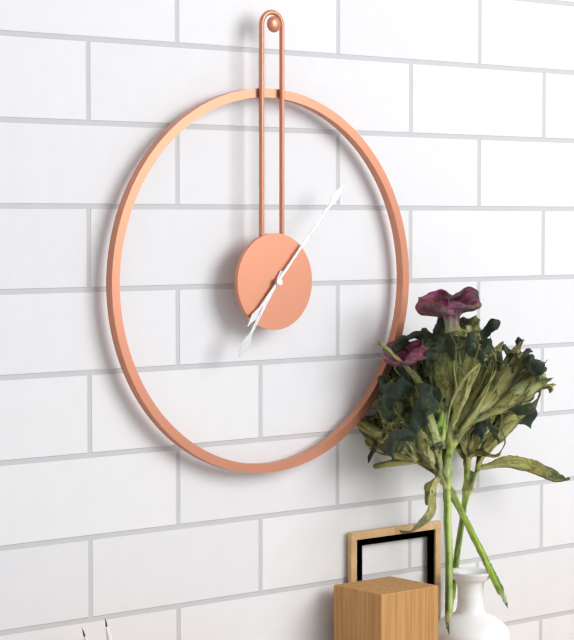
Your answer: **7:07**
